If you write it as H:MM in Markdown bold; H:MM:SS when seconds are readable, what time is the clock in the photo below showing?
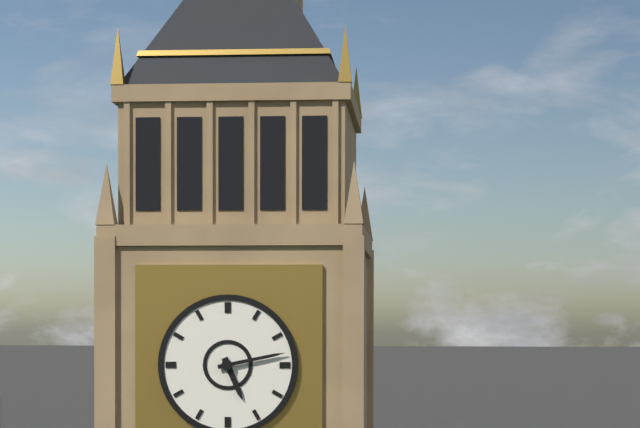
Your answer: **5:13**
